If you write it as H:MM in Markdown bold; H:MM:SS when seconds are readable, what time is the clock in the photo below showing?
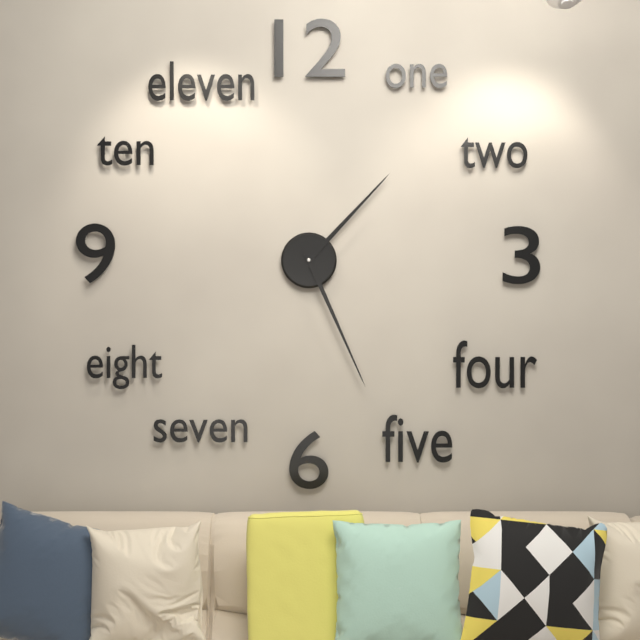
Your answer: **1:26**
